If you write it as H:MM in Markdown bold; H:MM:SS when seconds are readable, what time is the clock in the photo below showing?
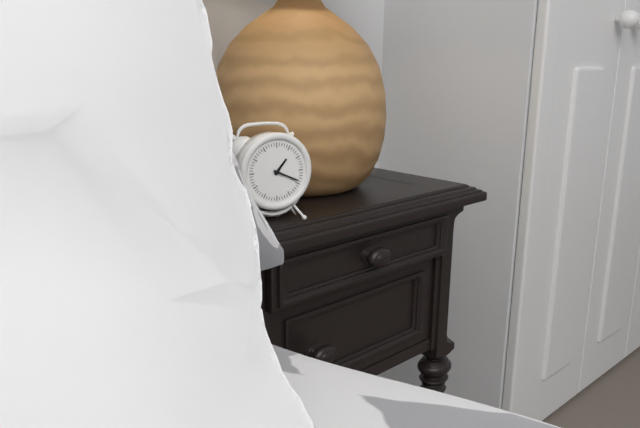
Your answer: **1:19**
